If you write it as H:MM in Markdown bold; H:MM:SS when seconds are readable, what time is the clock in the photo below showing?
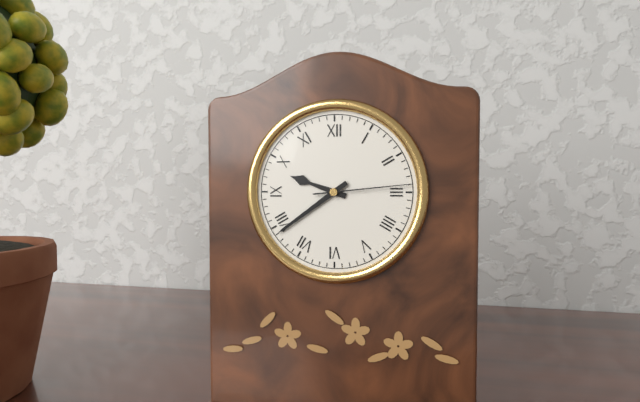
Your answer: **9:39:14**
